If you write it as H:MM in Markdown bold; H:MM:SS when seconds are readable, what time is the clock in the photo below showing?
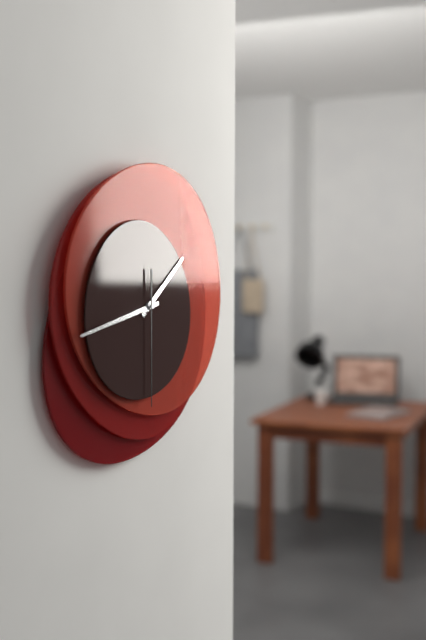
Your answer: **1:43:30**
